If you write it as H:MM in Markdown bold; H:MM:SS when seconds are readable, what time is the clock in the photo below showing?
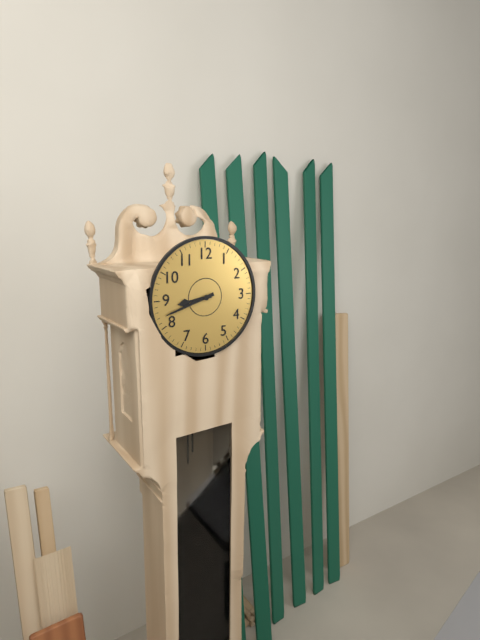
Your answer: **8:42**
